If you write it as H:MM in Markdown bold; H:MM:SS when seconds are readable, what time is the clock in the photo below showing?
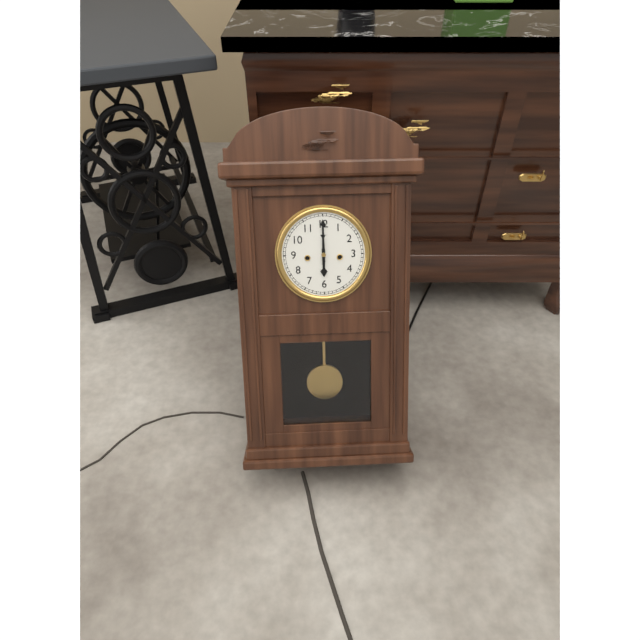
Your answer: **6:00**
